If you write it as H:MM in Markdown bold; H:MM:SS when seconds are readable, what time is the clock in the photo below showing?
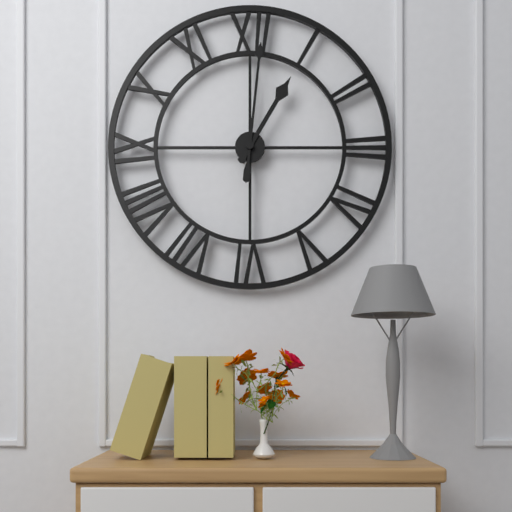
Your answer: **1:01**
